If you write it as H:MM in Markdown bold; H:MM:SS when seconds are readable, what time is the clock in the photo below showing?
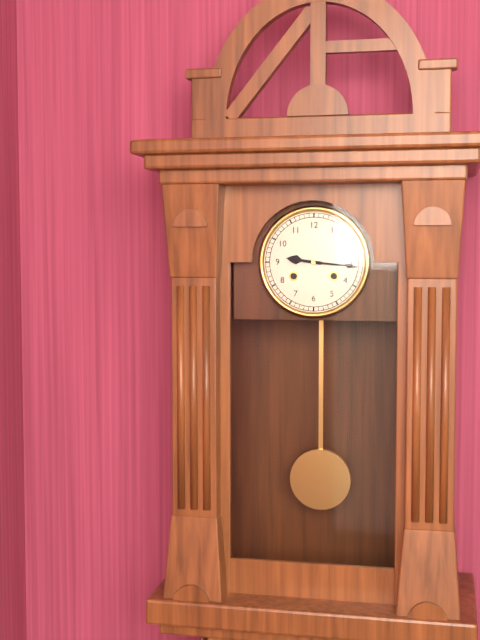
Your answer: **9:16**
